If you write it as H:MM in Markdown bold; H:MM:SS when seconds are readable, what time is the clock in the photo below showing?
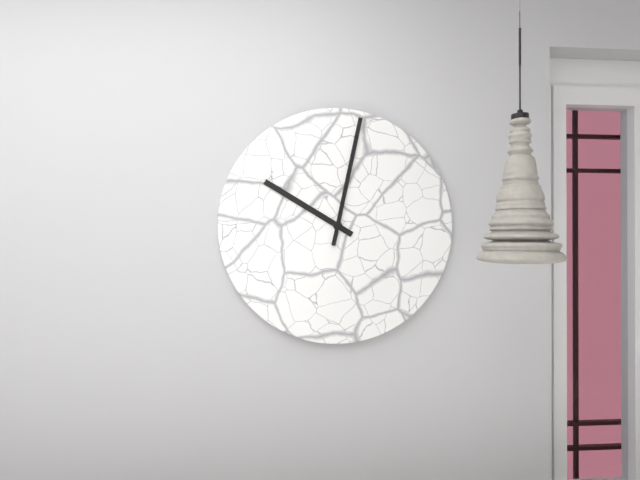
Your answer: **10:02**
